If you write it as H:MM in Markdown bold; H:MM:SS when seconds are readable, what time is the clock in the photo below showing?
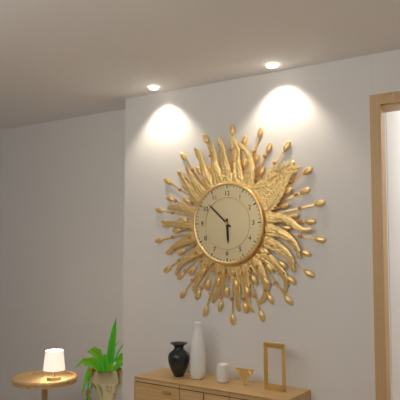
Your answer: **5:52**
